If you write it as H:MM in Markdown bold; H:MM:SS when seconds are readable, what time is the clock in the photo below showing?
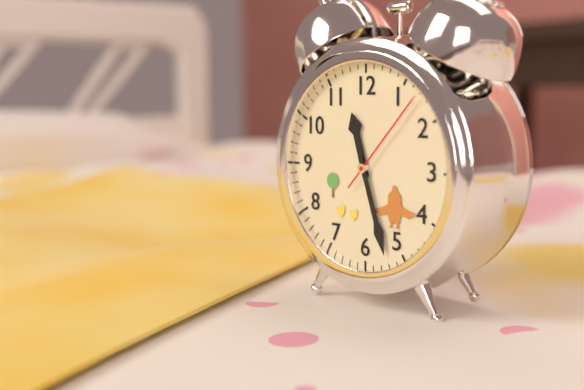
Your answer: **11:27:07**
